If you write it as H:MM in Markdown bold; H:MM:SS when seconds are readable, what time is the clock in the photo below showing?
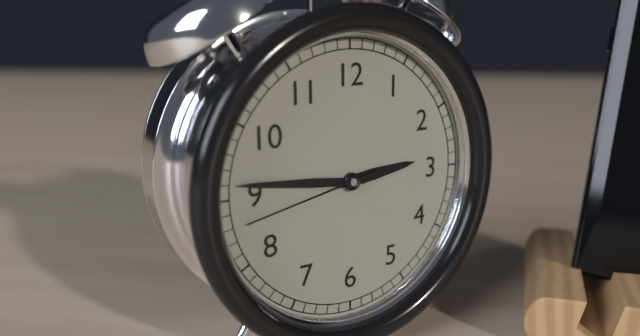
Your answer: **2:46:43**
